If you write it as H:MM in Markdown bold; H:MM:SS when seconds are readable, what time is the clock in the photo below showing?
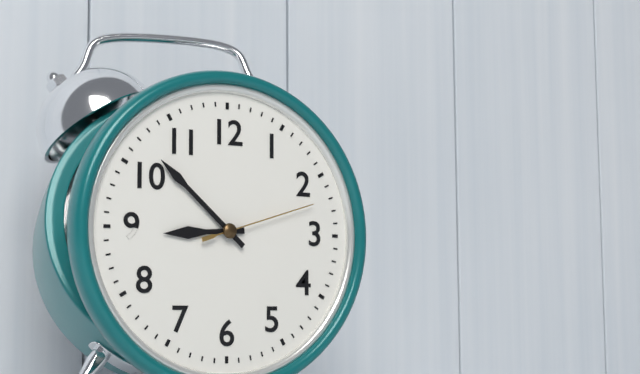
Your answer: **8:52:12**
